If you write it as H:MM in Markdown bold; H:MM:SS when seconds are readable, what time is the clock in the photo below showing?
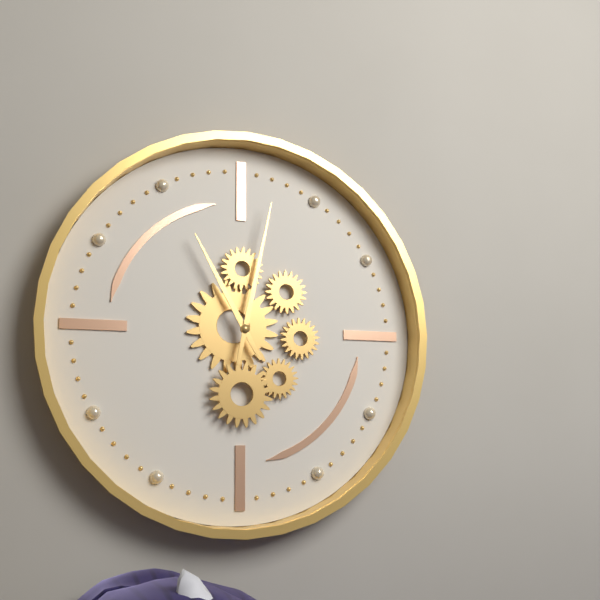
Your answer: **11:02**
